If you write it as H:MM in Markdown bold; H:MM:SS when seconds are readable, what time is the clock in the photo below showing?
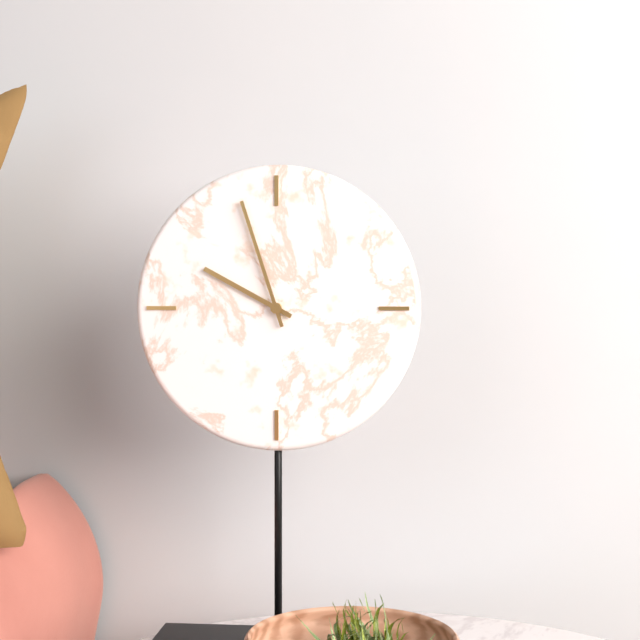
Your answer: **9:57**
